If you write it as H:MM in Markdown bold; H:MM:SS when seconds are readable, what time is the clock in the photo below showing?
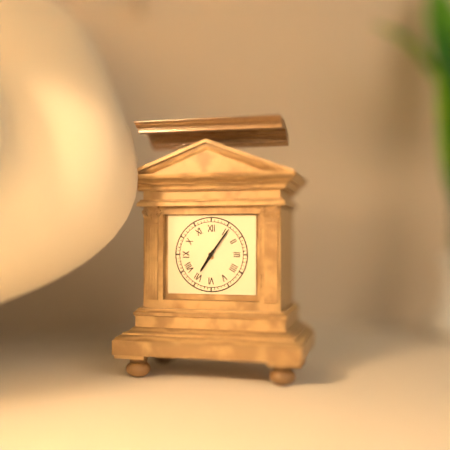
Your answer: **7:06**
